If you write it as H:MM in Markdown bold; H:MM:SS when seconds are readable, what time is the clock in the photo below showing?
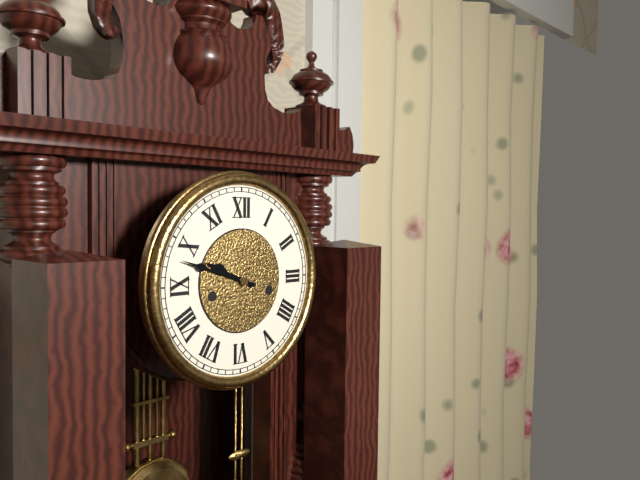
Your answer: **9:48**
